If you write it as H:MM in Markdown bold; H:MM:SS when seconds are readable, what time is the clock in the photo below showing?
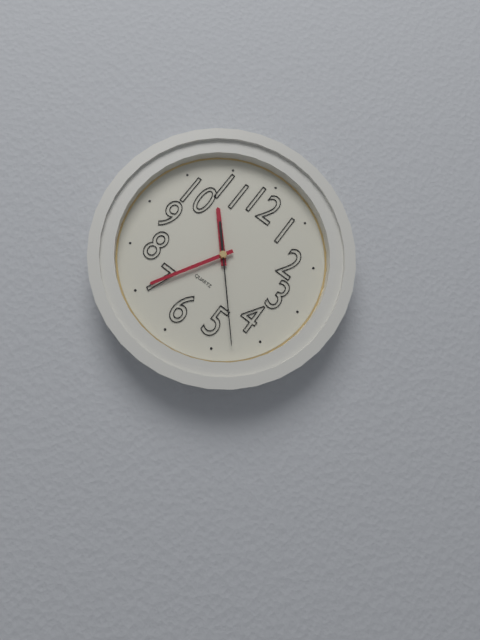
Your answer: **10:35:23**
